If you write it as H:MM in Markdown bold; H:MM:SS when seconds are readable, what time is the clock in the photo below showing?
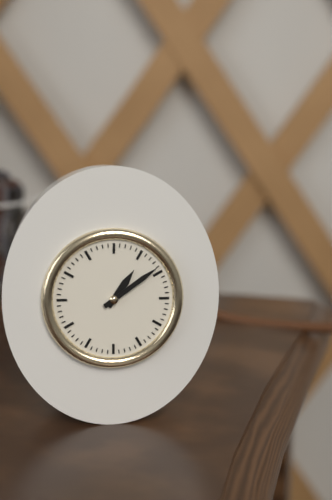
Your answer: **1:09**
